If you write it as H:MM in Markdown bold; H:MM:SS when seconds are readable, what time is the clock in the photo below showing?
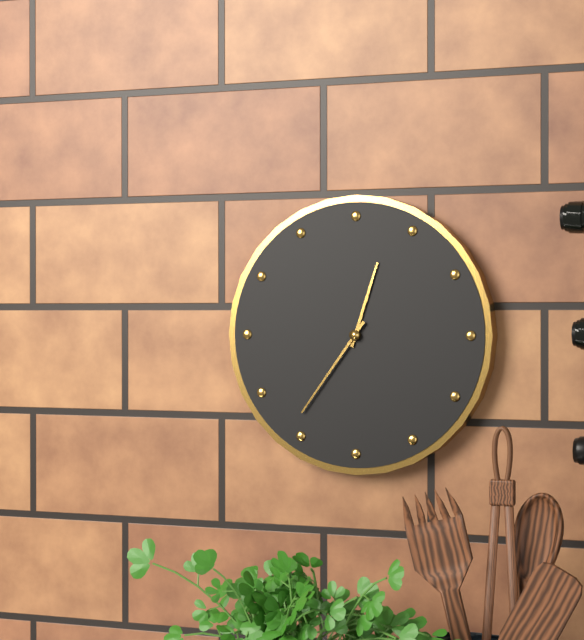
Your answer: **12:36**
